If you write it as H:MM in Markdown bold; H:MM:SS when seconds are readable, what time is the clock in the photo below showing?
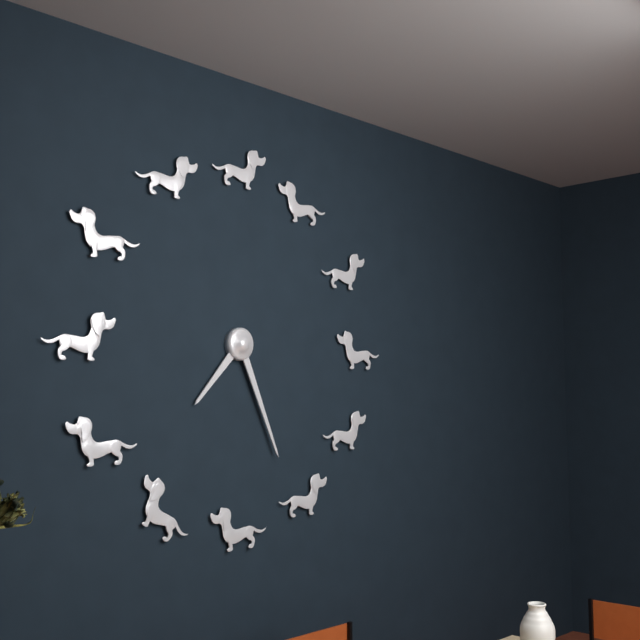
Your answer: **7:26**
